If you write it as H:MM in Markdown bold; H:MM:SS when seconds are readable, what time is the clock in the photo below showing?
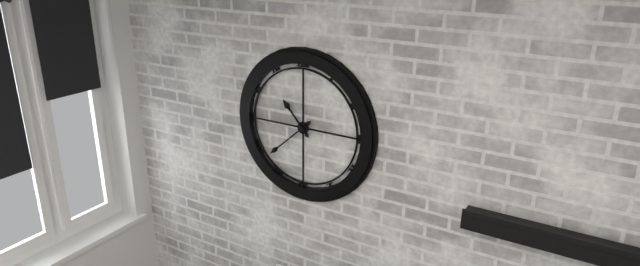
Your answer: **10:38**
